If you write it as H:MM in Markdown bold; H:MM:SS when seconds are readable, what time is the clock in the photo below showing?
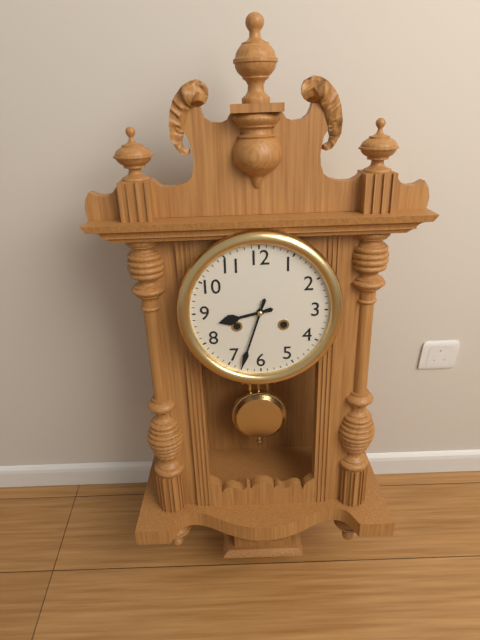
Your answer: **8:33**
